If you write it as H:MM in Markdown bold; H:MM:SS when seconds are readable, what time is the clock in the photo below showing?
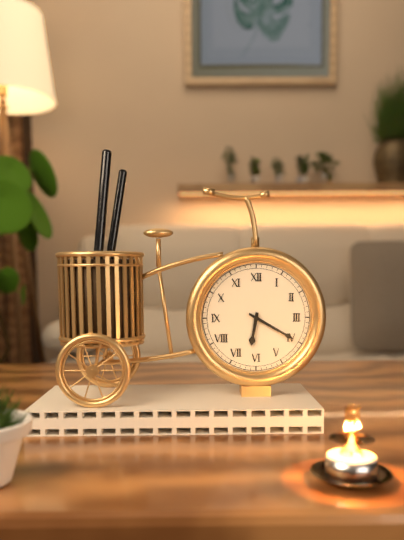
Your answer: **6:20**
